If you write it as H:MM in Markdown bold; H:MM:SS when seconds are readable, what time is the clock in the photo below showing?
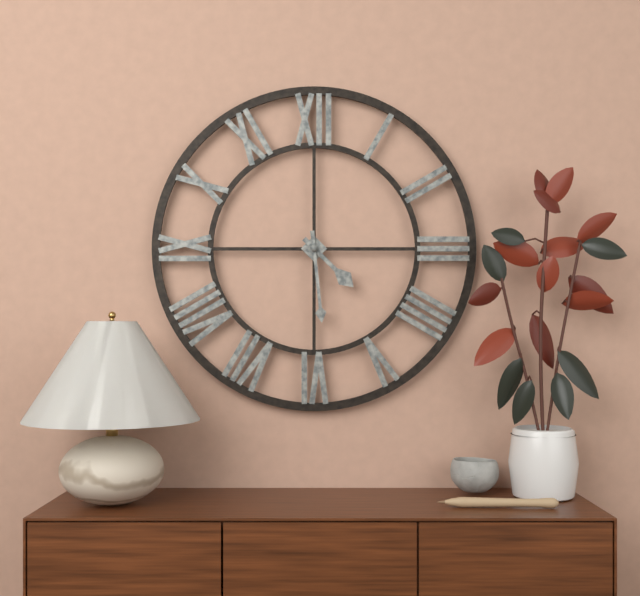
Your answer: **4:29**
